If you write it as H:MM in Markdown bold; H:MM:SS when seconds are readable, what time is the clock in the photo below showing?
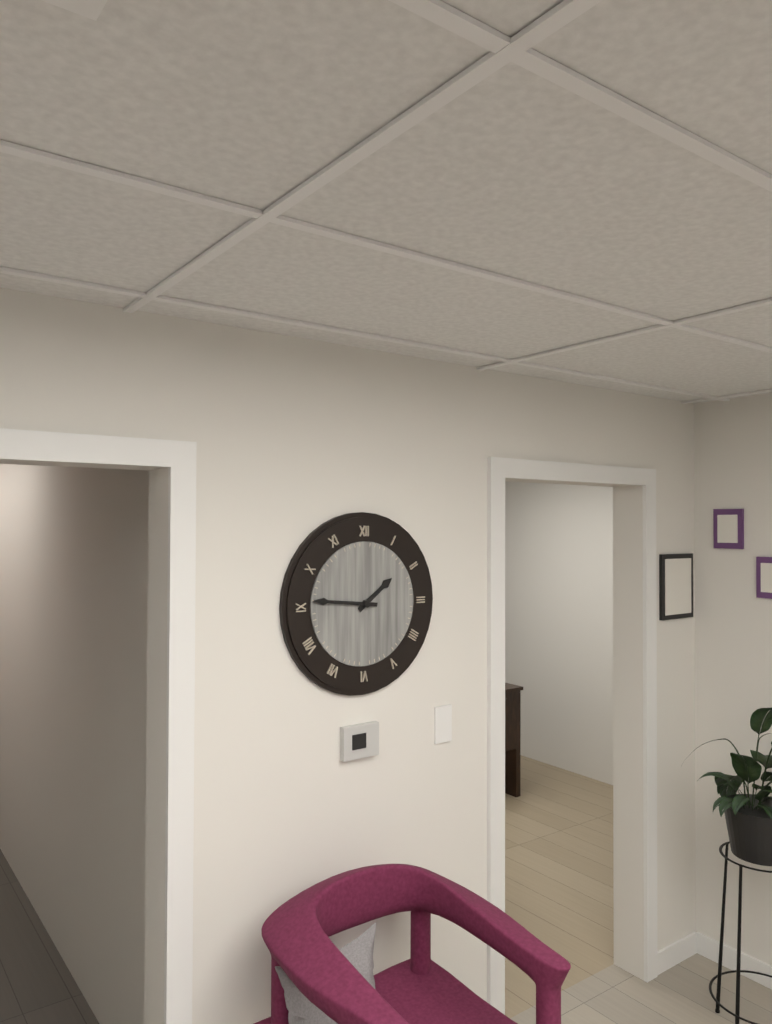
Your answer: **1:46**
